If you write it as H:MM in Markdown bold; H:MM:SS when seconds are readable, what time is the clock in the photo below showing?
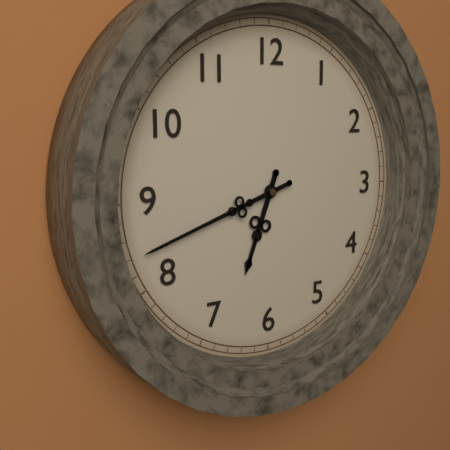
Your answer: **6:42**
